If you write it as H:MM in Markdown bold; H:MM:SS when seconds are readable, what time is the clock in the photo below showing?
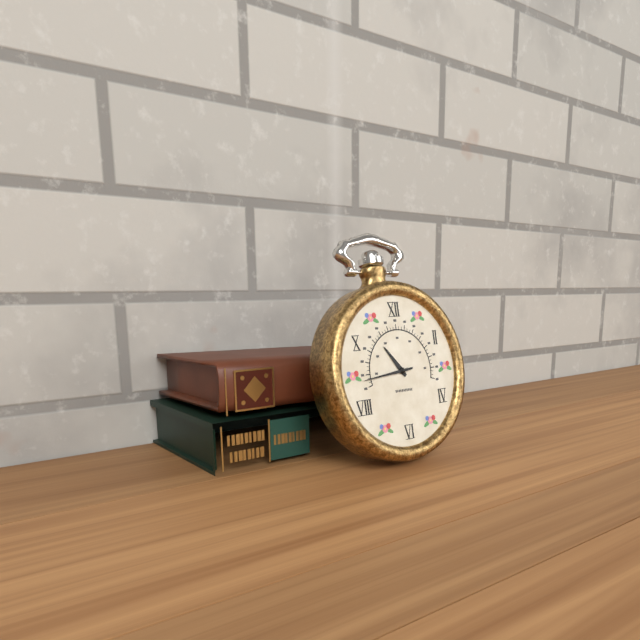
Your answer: **10:44**
